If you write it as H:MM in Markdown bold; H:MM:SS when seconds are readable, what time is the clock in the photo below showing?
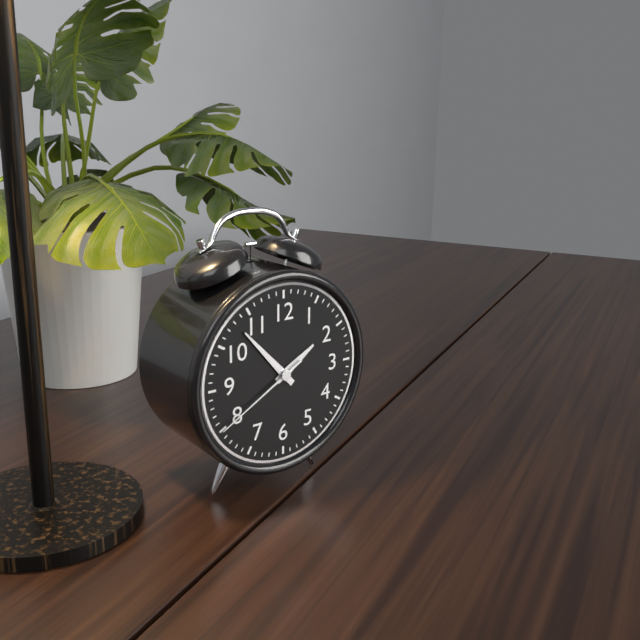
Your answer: **1:53:40**
